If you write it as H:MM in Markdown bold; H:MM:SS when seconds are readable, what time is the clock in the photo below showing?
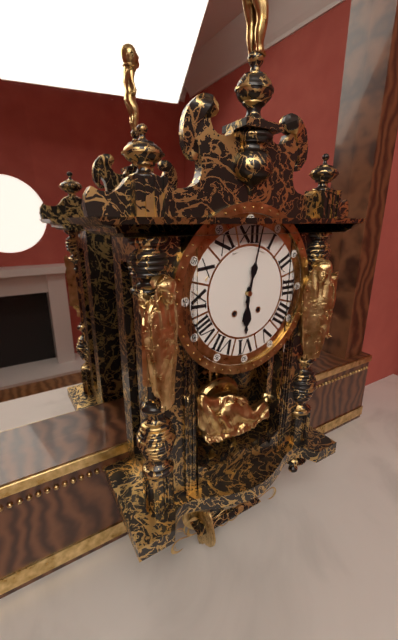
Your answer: **6:02**
